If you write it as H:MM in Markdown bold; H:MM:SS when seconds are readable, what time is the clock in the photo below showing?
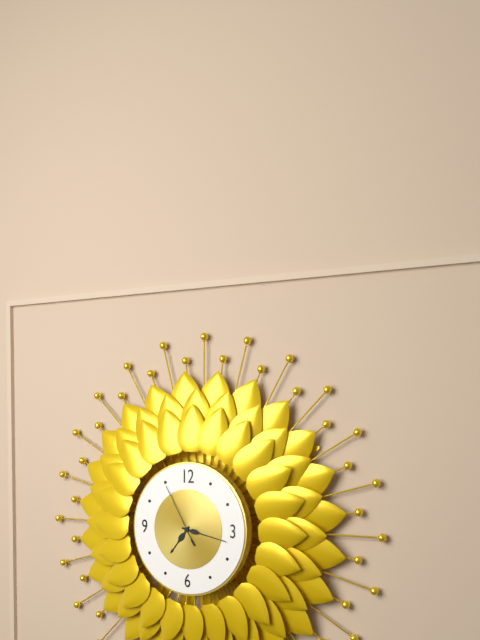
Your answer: **7:17:55**
